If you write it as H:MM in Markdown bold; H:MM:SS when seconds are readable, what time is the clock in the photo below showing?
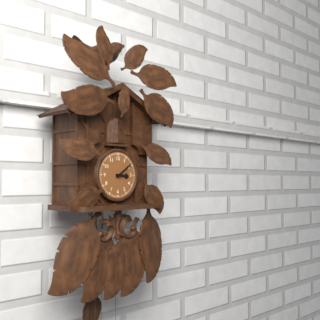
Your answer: **3:09**
